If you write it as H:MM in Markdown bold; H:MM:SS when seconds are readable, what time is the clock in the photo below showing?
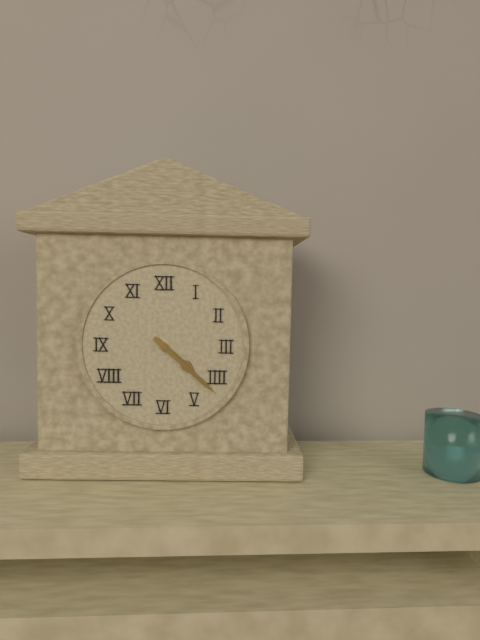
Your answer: **4:22**
